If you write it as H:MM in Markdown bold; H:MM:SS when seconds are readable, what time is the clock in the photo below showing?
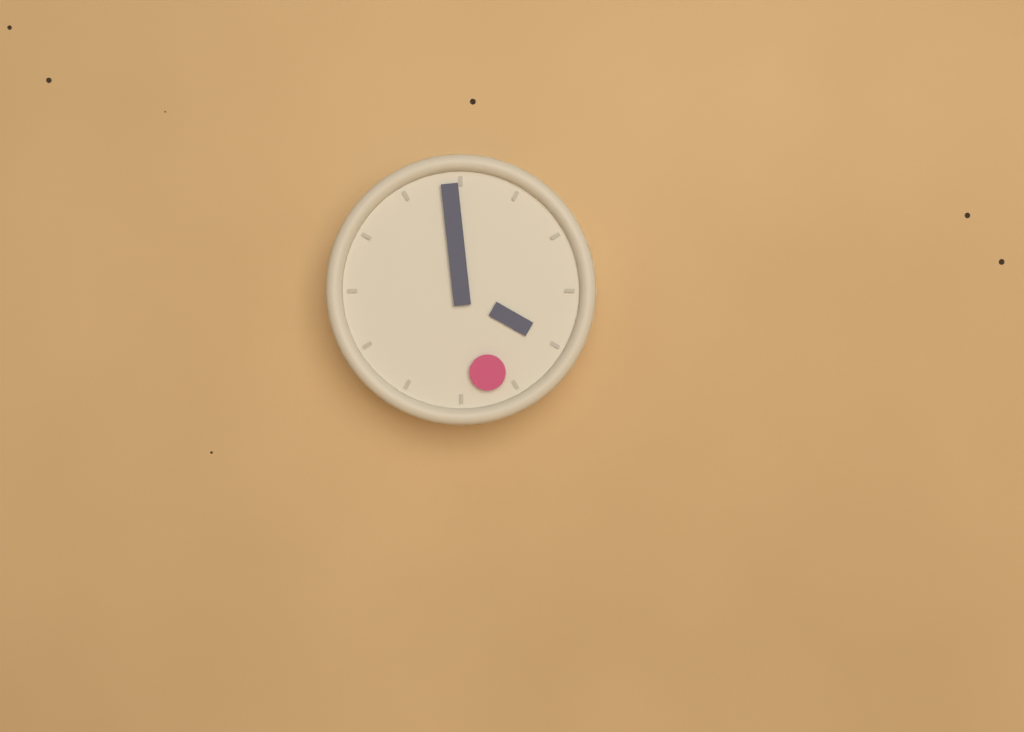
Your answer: **3:59:27**
